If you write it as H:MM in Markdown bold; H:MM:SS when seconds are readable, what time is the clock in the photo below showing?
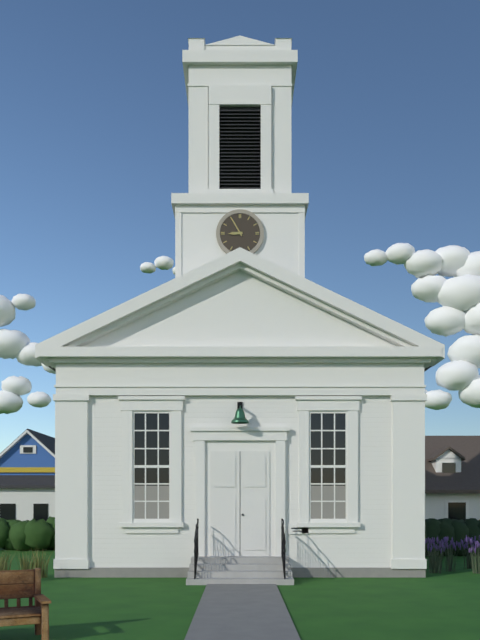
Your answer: **8:55**
